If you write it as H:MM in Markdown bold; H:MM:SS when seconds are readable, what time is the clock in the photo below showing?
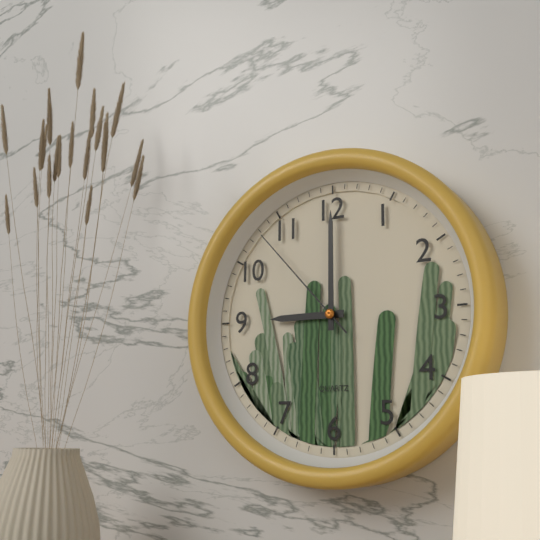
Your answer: **9:00:53**
